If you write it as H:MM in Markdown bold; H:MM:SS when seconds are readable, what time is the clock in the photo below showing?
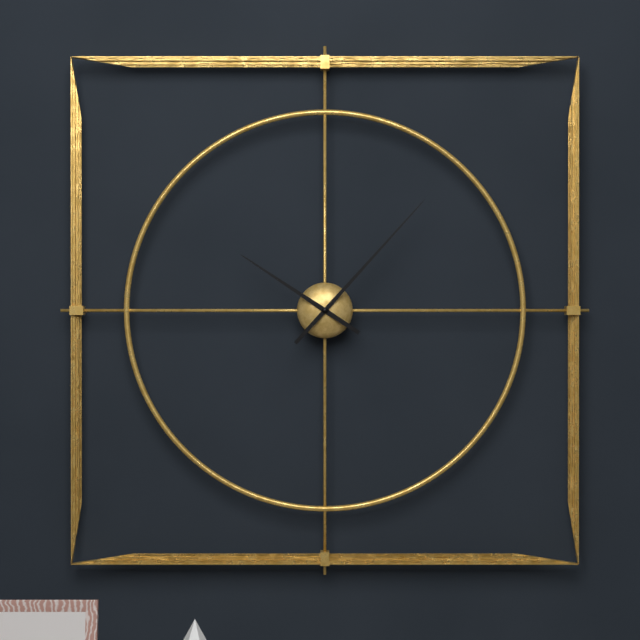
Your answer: **10:07**
